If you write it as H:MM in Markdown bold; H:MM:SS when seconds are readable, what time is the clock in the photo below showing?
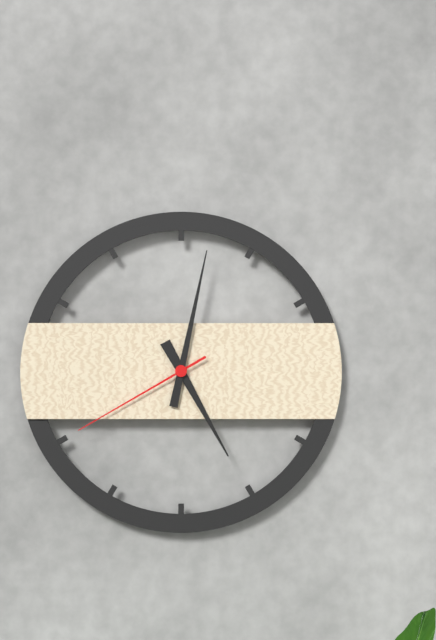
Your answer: **5:02:40**
